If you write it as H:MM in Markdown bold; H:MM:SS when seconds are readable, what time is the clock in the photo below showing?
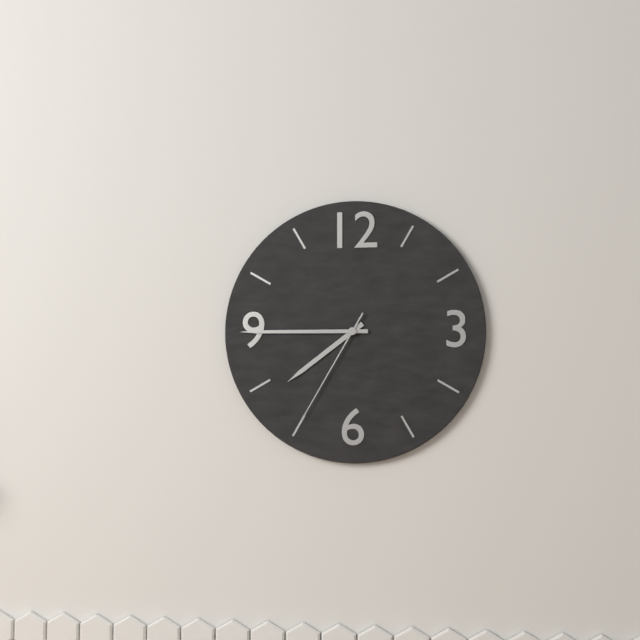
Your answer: **7:45:35**
